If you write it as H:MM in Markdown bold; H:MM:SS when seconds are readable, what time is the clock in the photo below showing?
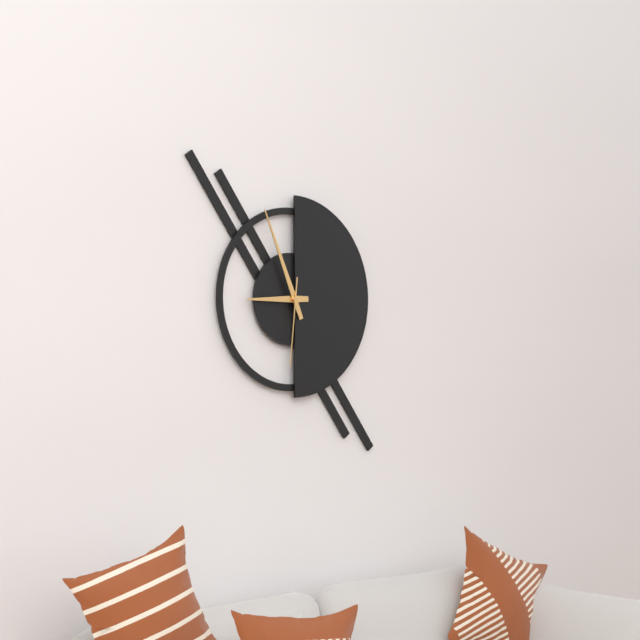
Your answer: **8:56:31**
